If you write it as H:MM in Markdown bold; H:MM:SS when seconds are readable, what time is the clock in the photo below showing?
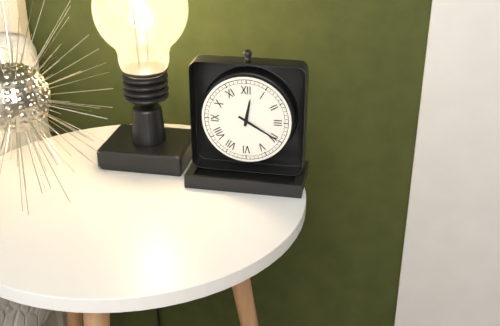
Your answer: **12:20**
